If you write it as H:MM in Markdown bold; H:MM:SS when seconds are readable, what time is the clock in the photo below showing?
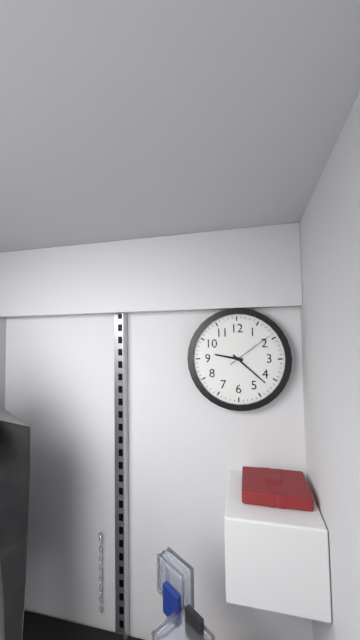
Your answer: **9:22**
